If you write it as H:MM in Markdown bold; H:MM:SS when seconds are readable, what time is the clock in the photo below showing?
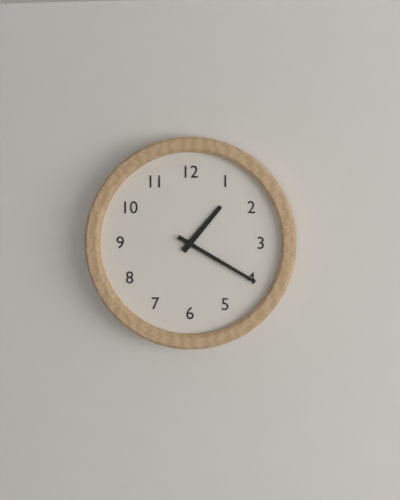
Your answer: **1:20**
